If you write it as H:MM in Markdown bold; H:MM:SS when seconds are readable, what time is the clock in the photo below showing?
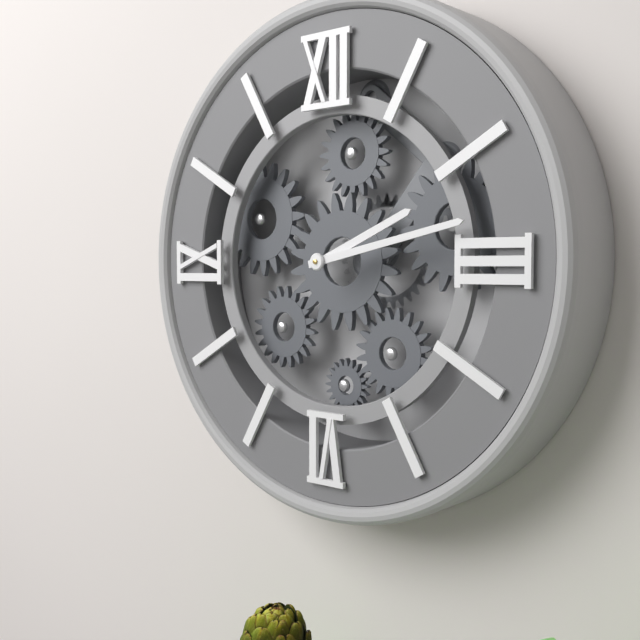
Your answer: **2:13**
